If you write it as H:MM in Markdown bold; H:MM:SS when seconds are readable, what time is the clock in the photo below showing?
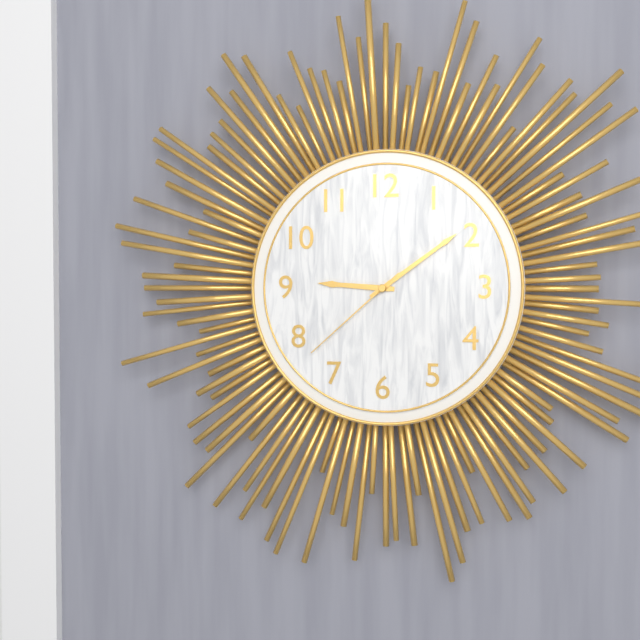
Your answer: **9:09:38**
